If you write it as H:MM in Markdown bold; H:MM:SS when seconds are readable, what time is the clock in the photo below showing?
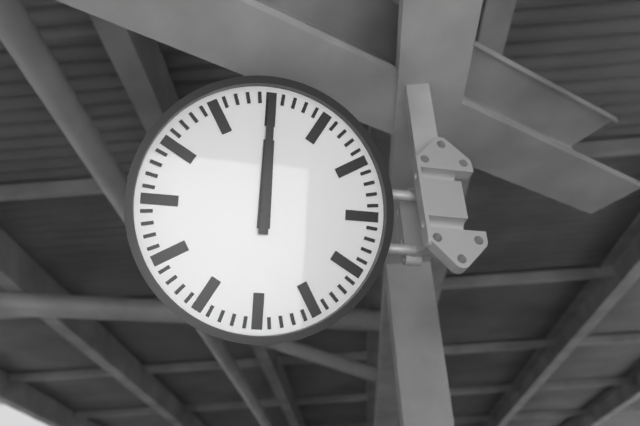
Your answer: **12:00**
